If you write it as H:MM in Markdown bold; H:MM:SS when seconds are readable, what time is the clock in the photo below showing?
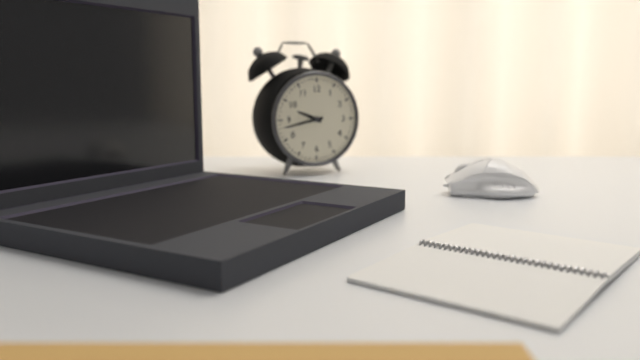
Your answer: **9:43**
